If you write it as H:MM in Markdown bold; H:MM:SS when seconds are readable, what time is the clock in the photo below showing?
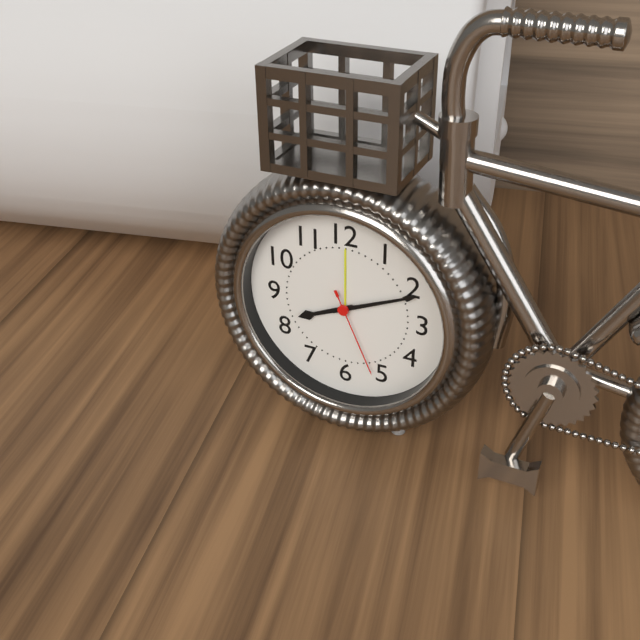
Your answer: **8:11:26**
